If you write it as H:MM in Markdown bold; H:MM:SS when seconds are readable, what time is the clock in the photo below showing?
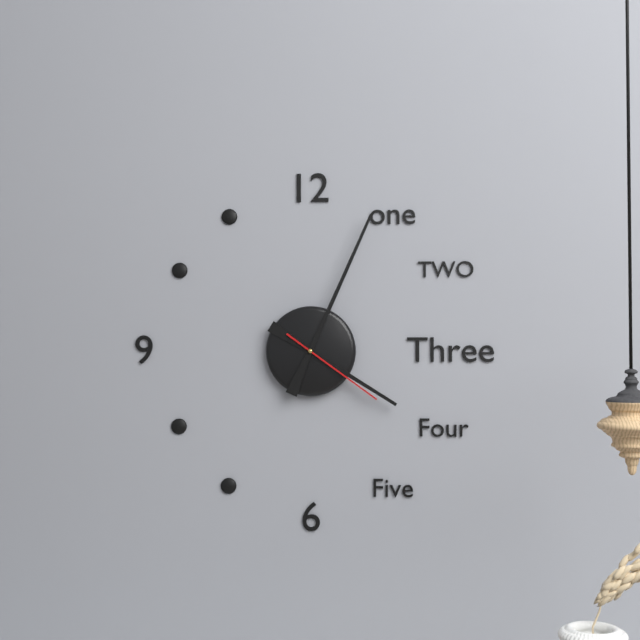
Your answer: **4:04:21**
